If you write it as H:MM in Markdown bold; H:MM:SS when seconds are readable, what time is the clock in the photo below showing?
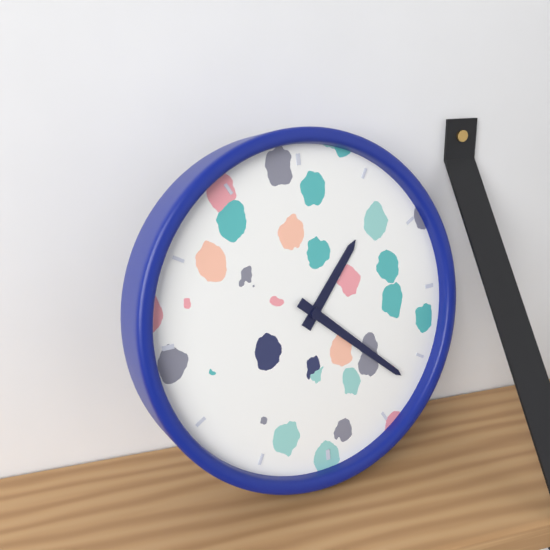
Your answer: **1:22**
